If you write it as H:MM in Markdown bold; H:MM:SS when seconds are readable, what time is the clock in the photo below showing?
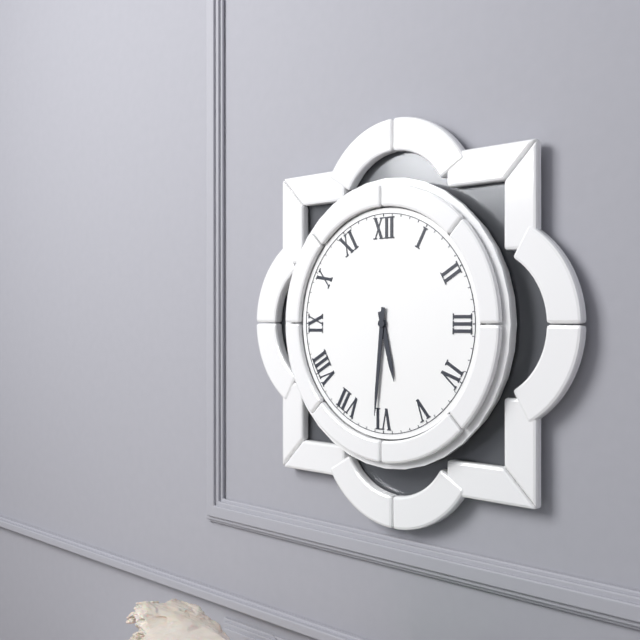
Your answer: **5:31**
